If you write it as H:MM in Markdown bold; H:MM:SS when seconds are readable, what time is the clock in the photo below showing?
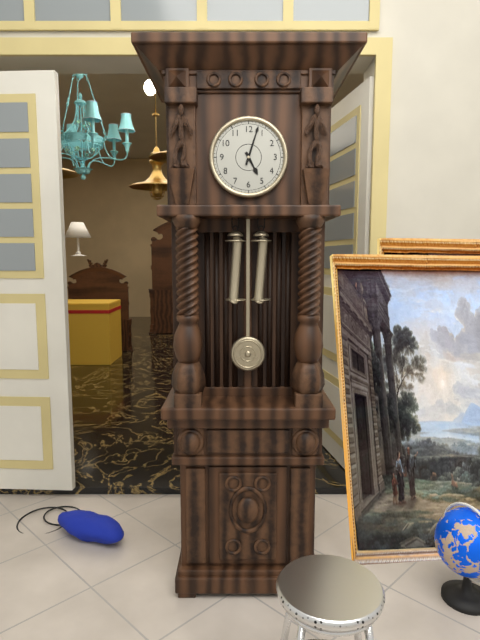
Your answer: **5:03**
